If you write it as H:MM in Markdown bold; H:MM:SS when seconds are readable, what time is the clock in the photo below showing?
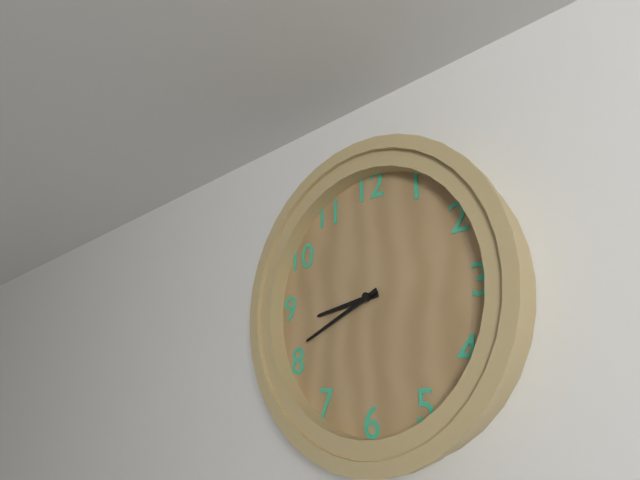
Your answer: **8:41**
